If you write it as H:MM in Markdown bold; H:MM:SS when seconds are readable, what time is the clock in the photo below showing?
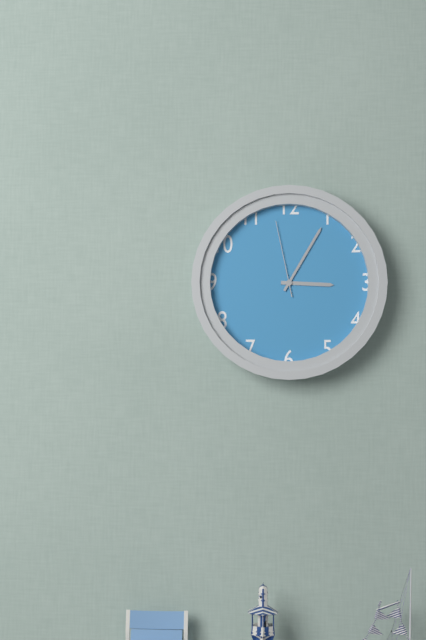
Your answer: **3:05:58**
